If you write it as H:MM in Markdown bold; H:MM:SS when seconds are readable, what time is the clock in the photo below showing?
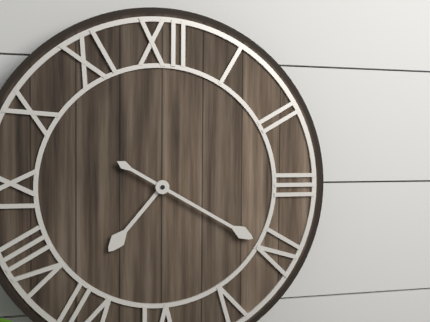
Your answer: **7:20**
